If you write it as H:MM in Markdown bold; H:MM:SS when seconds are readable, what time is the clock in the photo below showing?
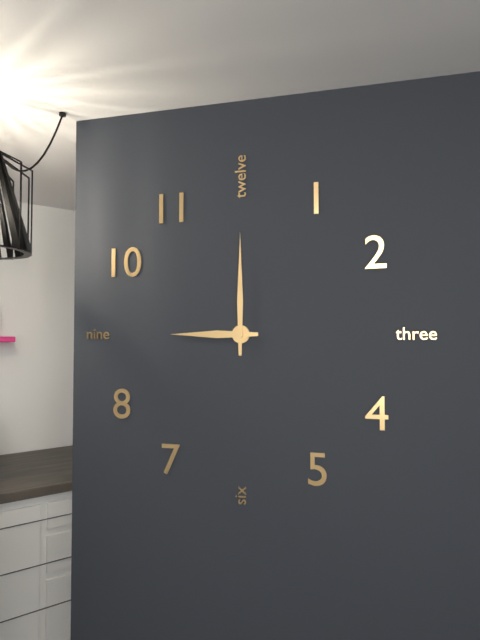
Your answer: **9:00**
